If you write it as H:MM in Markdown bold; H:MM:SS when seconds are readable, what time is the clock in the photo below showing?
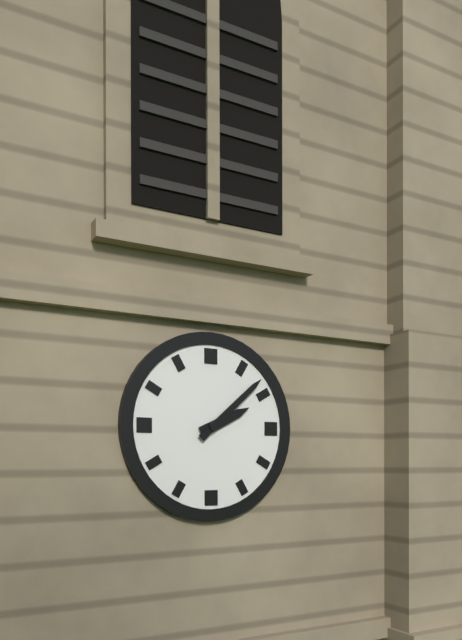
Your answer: **2:08**
